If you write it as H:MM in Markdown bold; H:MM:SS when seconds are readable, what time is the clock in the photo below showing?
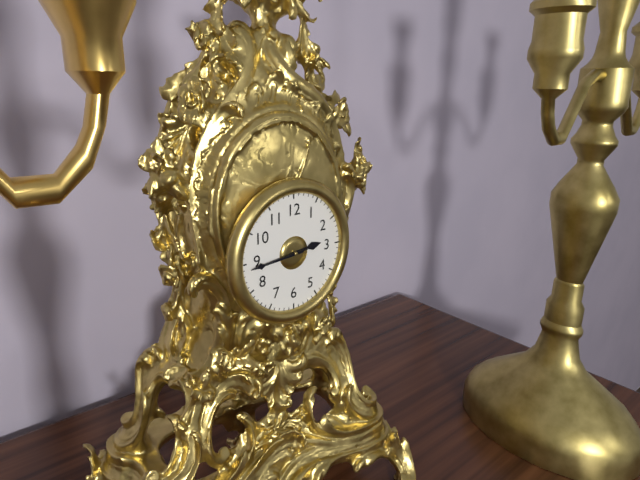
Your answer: **2:44**
